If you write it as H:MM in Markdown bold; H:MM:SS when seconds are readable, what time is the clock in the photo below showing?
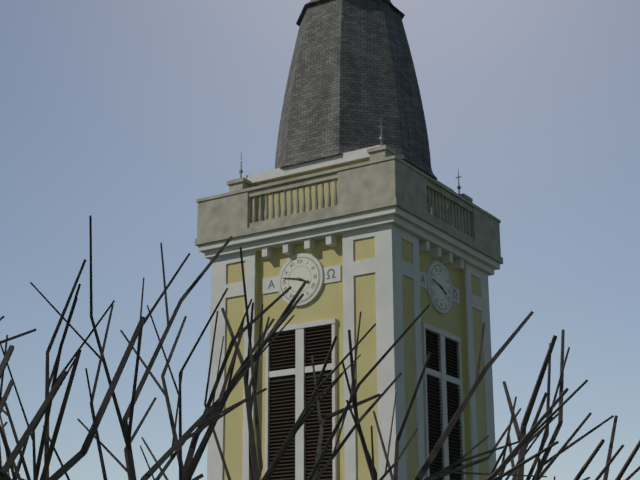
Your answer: **3:47**
